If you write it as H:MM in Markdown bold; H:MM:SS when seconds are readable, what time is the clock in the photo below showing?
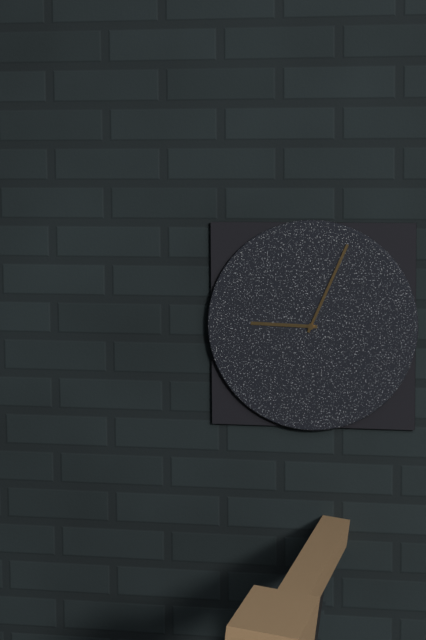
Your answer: **9:04**
